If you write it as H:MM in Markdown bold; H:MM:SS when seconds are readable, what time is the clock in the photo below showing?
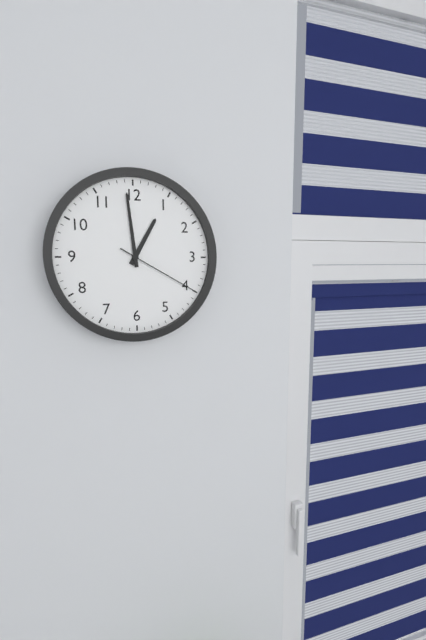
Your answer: **12:59:20**
